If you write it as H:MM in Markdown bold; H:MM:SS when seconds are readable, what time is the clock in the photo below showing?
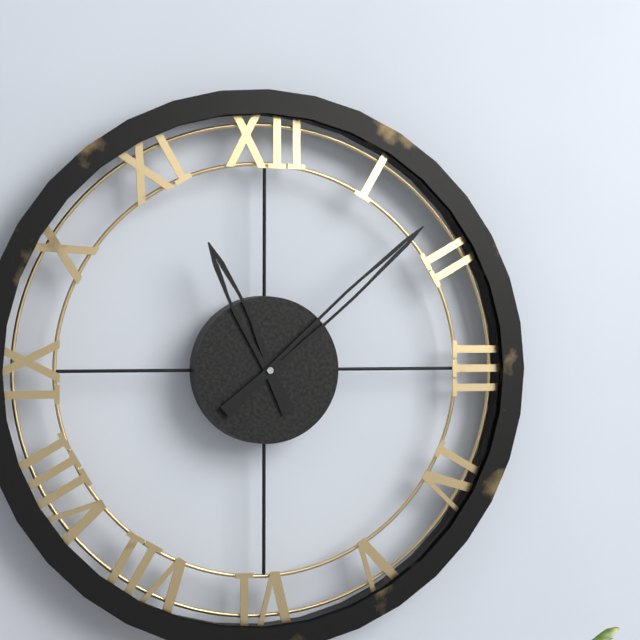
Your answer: **11:08**
